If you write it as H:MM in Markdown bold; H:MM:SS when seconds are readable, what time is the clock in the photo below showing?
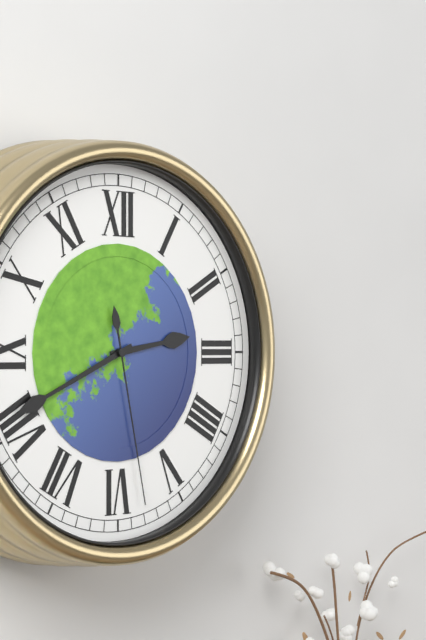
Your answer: **2:41:28**
